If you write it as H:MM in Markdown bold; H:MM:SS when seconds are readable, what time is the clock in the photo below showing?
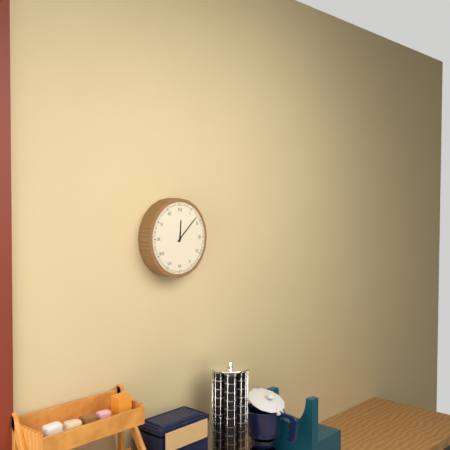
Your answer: **12:08**
